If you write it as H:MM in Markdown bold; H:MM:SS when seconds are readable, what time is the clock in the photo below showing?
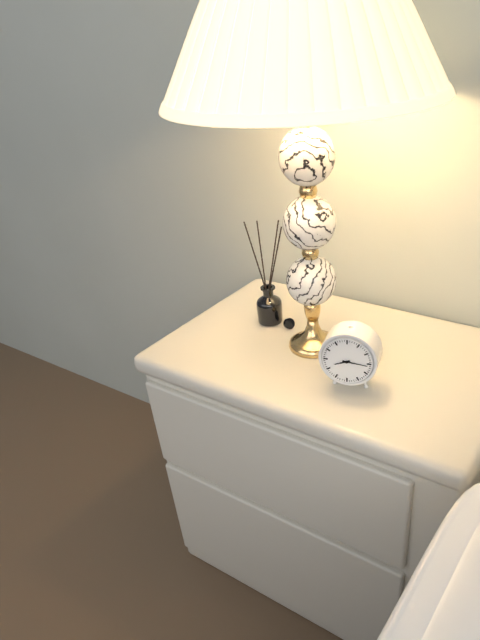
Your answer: **8:16**
